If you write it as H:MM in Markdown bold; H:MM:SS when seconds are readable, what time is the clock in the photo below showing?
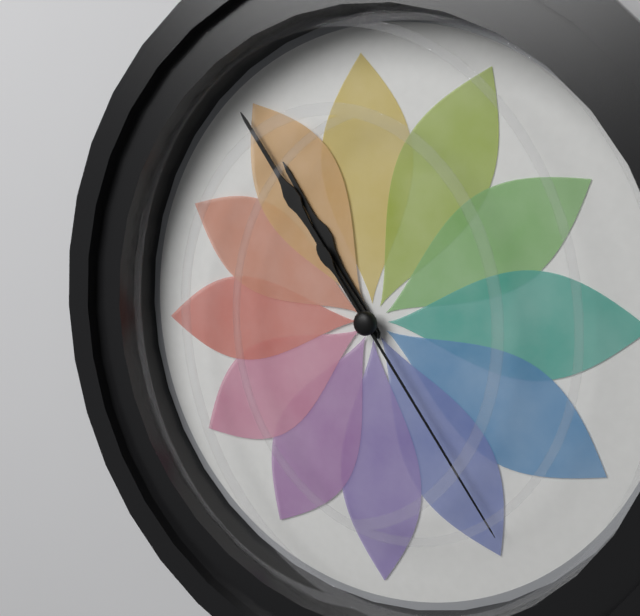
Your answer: **10:54:24**
